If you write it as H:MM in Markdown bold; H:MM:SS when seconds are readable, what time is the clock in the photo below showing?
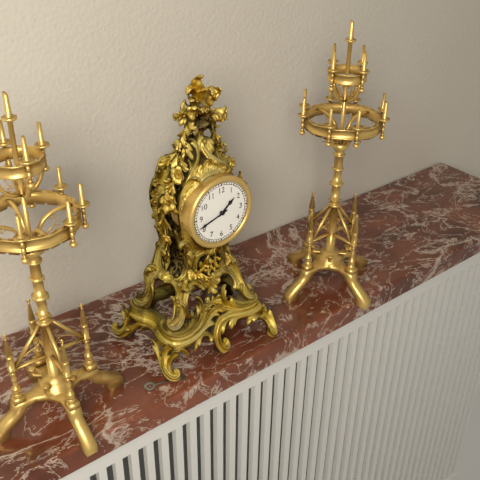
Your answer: **1:42**
